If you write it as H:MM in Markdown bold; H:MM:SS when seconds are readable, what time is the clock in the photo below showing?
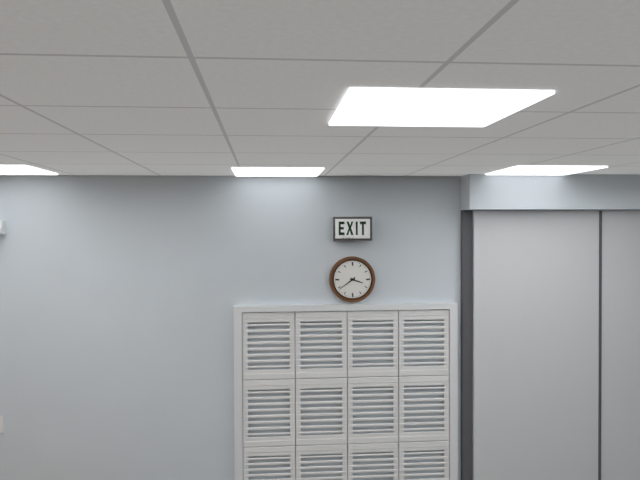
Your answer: **3:39**
